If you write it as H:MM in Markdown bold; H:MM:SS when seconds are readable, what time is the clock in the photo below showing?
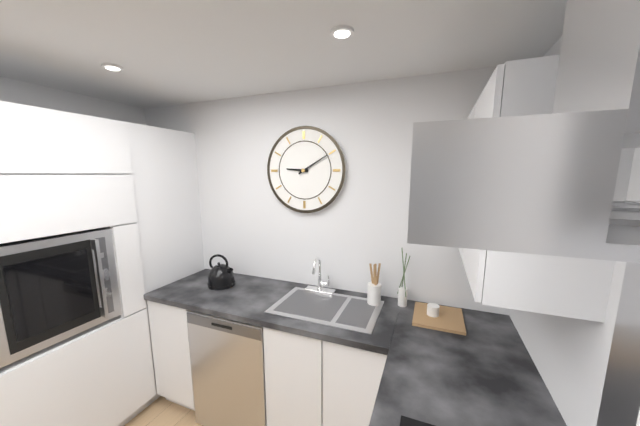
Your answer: **9:10**
